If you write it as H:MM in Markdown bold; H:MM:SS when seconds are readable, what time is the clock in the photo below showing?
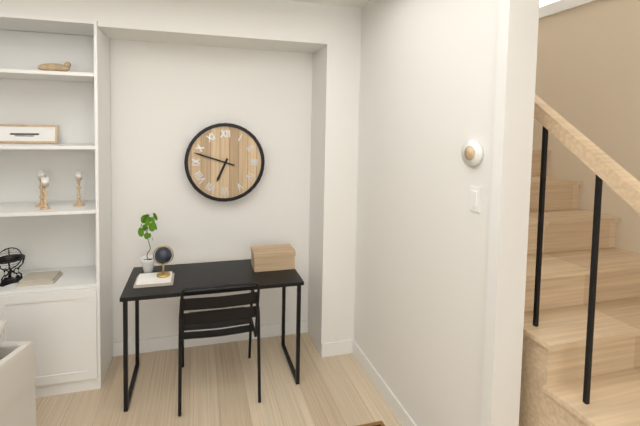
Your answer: **6:48**
